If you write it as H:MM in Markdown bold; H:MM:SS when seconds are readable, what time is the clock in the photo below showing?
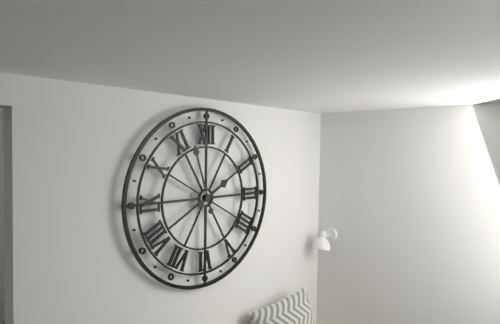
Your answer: **1:57**
